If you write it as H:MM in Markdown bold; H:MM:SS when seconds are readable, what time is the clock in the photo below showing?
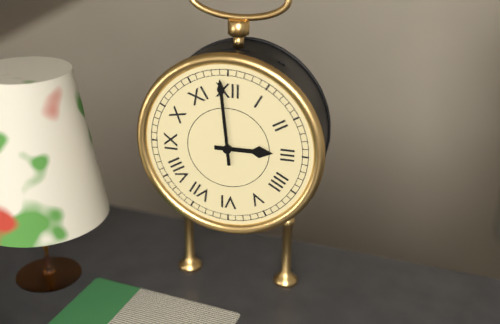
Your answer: **2:59**
